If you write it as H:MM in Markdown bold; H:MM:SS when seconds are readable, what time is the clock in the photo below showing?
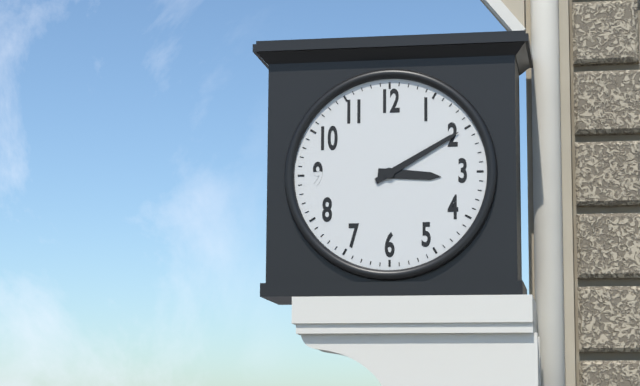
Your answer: **3:10**
